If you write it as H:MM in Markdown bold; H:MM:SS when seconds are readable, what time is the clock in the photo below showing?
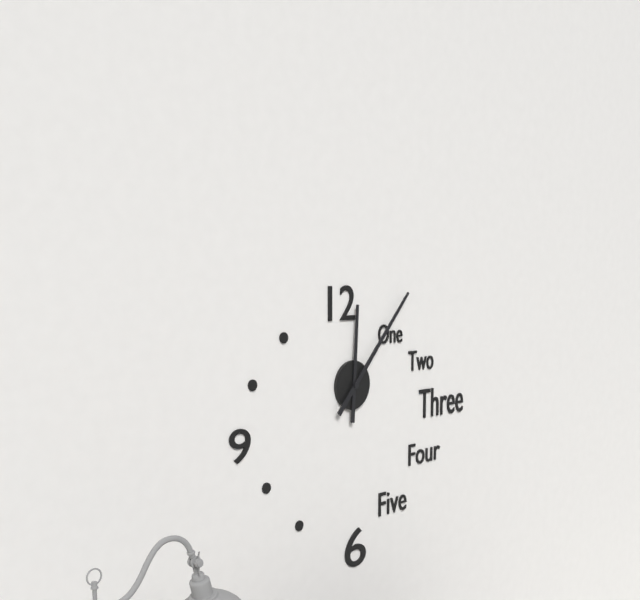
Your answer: **12:07**
